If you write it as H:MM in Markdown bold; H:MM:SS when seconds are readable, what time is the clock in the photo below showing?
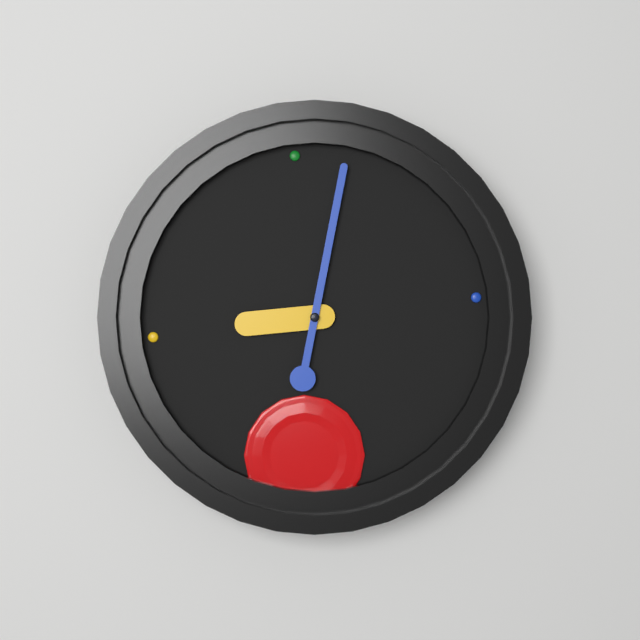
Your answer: **9:03**
